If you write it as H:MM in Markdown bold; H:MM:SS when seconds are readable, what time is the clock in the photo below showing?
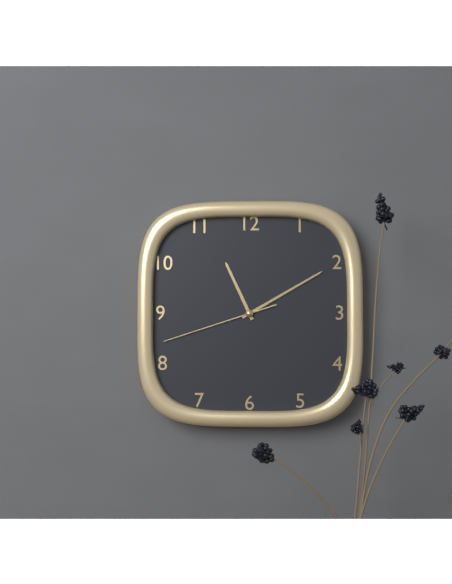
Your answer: **11:10:42**
